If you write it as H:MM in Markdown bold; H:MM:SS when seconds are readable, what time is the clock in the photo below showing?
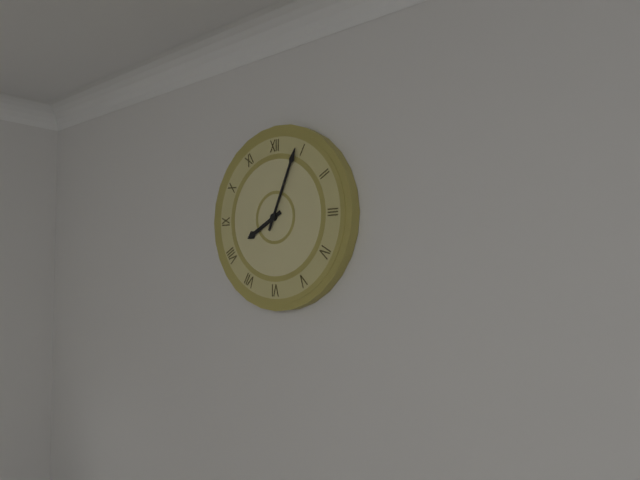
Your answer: **8:04**
